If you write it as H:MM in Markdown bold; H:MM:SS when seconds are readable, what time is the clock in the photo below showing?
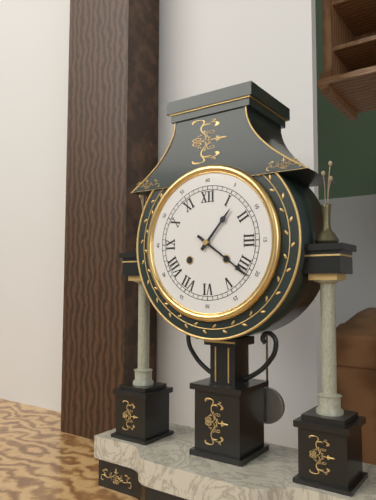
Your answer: **1:21**
